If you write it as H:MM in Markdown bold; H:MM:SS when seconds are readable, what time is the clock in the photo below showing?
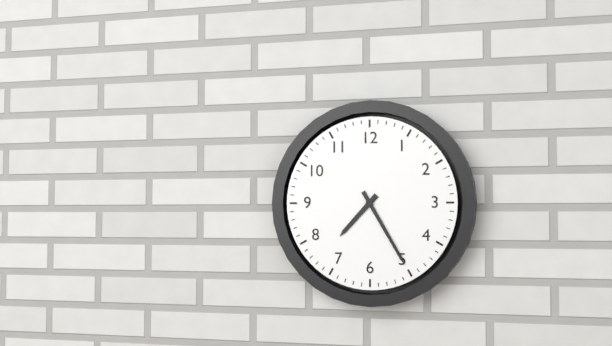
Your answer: **7:25**
